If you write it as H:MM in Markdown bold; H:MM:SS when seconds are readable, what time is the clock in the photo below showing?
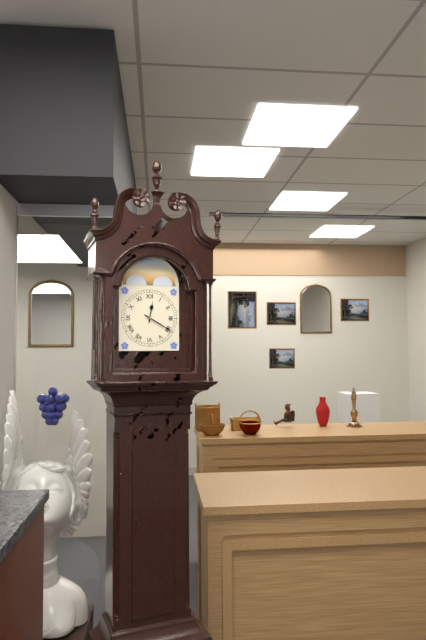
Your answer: **12:20**
